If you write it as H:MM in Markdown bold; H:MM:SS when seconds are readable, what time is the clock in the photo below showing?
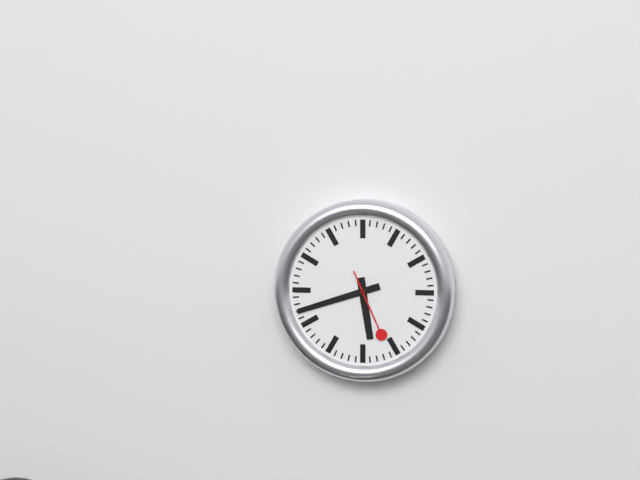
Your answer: **5:42:26**
